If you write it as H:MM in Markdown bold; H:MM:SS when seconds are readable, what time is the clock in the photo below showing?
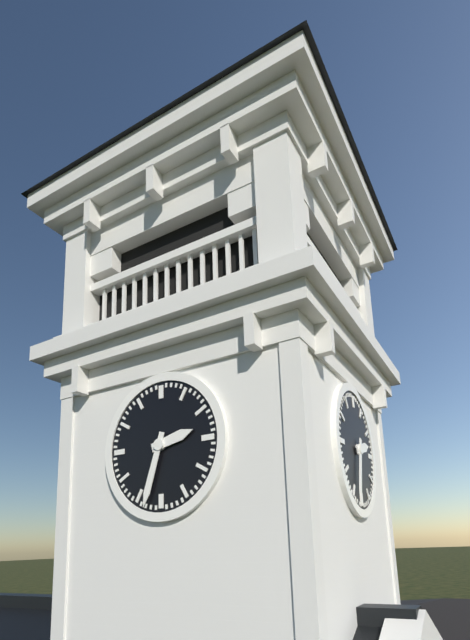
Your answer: **2:33**
